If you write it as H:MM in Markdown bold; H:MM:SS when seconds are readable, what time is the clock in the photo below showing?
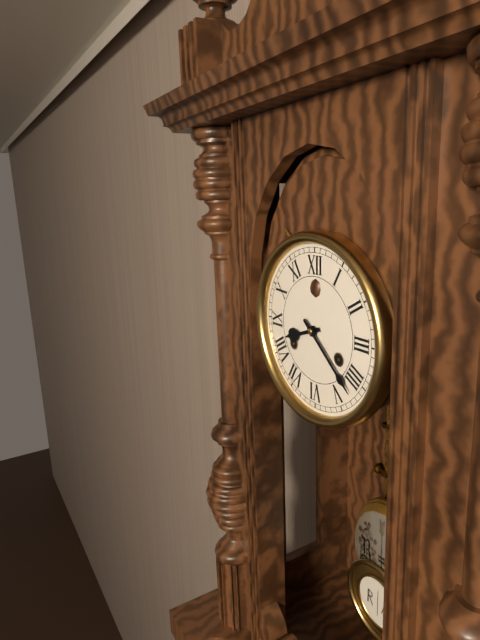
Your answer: **8:22**
